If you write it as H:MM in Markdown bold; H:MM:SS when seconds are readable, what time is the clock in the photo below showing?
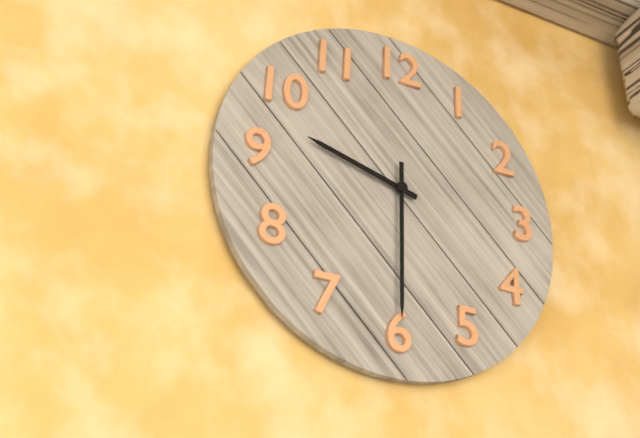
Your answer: **9:30**
